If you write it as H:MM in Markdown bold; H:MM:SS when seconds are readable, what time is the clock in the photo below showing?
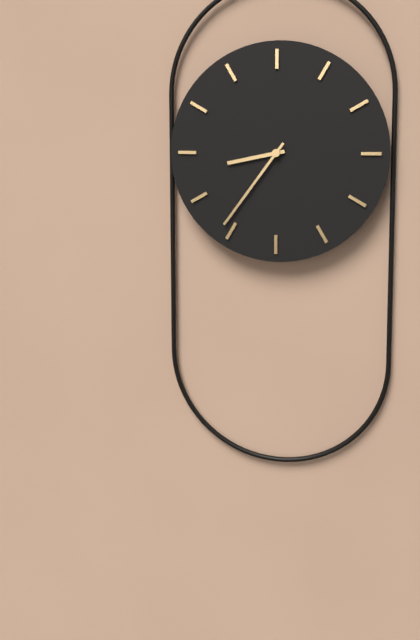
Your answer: **8:36**
